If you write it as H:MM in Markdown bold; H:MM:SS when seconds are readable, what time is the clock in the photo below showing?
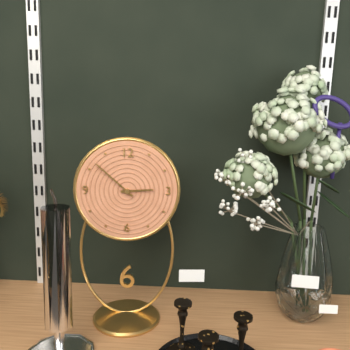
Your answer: **2:52**
